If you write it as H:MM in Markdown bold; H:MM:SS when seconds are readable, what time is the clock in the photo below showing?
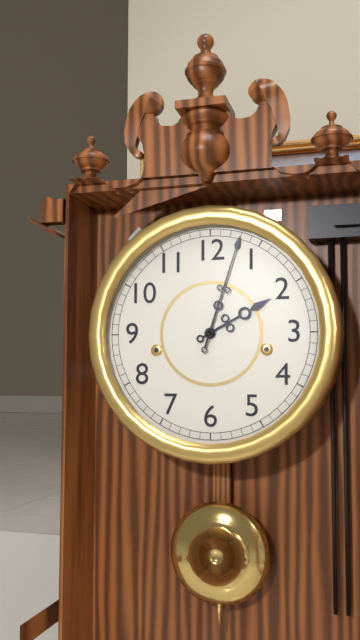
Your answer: **2:03**
